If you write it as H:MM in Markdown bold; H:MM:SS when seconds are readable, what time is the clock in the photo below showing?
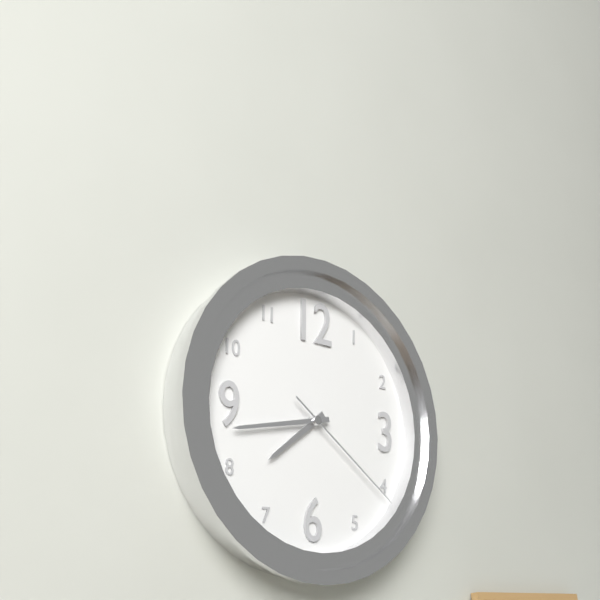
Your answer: **7:43:21**
